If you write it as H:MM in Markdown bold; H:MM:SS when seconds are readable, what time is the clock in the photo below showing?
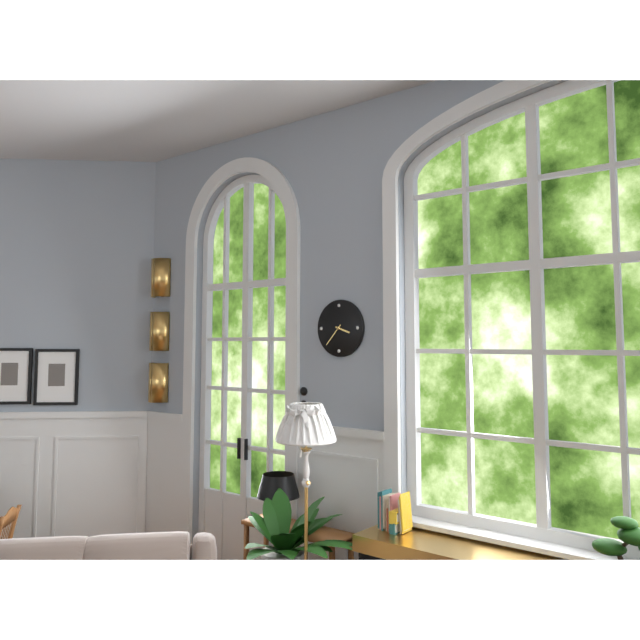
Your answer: **3:37**
